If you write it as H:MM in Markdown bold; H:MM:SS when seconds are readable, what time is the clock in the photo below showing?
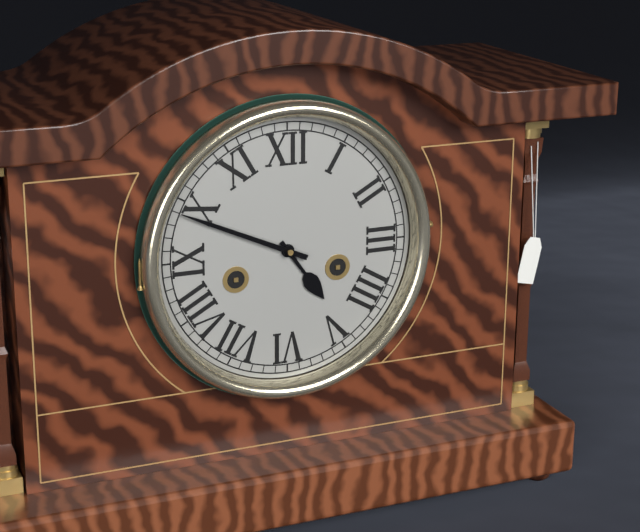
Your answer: **4:49**
